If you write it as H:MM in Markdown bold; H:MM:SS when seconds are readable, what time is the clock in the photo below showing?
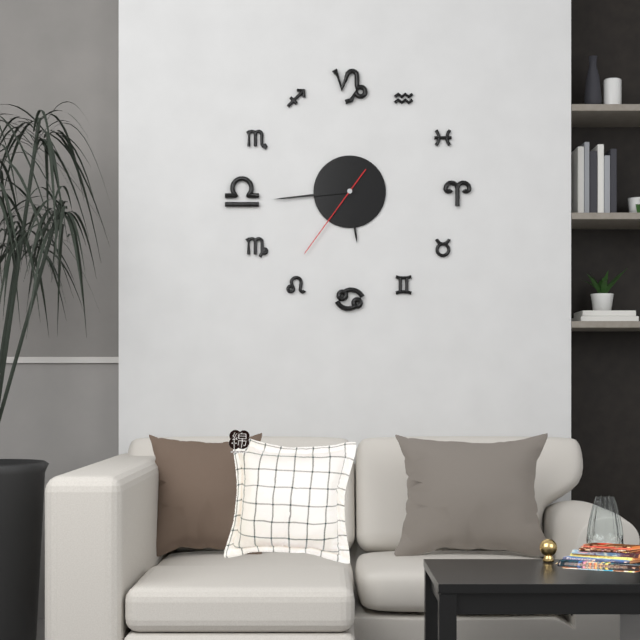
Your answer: **5:44:36**
